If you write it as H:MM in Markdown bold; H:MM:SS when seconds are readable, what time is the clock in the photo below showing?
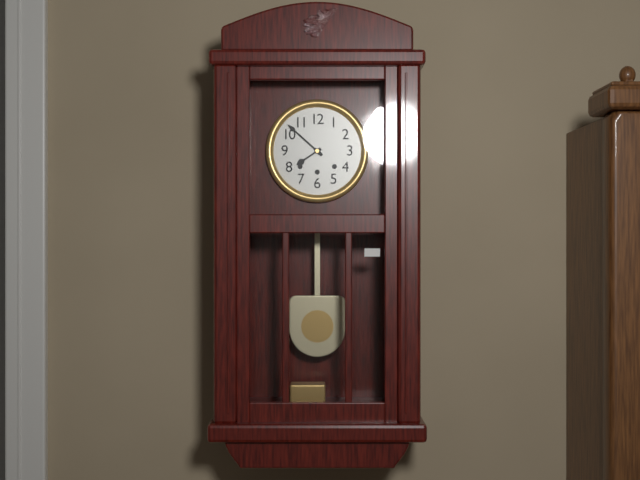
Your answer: **7:52**
